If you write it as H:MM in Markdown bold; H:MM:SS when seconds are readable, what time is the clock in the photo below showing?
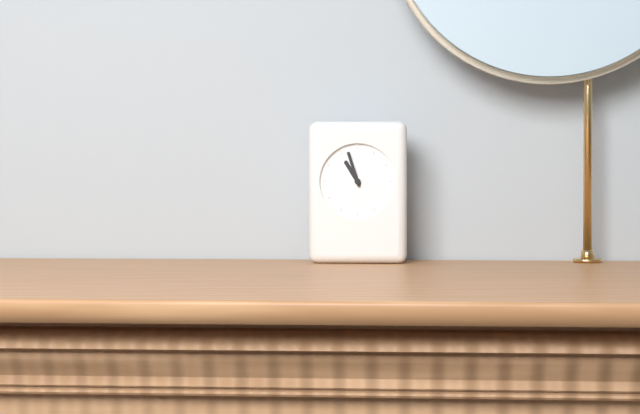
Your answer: **10:57**
